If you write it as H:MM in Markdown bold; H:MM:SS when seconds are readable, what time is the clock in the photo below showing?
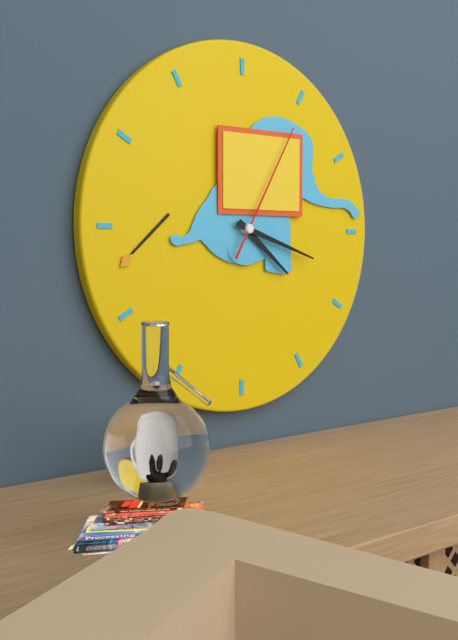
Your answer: **4:18:05**
